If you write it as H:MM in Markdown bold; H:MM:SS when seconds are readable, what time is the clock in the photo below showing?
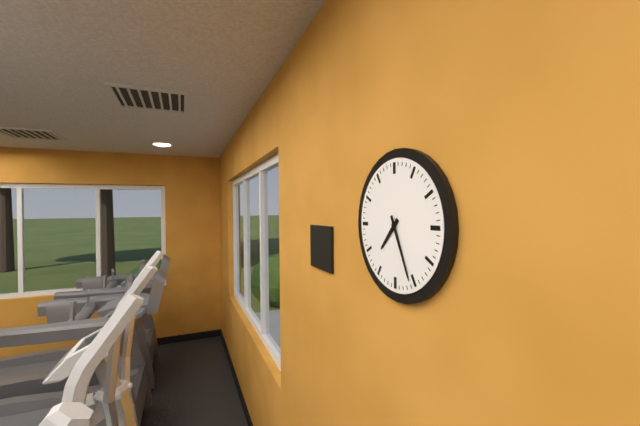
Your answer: **7:26**
